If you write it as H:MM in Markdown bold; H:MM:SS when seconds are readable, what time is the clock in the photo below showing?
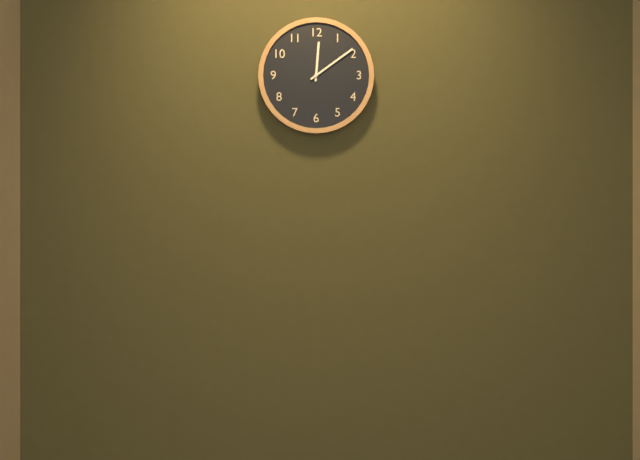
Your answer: **12:09**
